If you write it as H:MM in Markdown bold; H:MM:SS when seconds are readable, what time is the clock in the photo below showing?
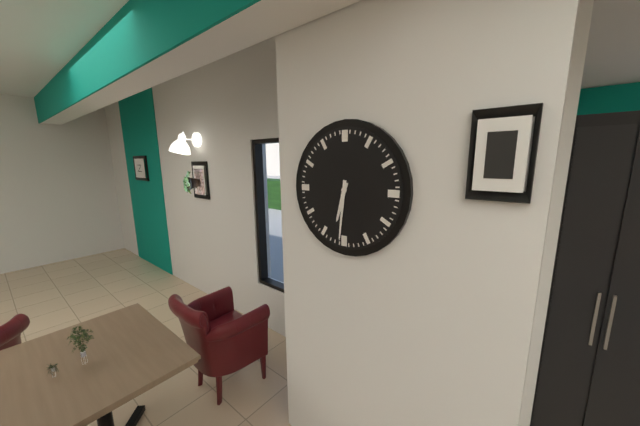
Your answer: **6:31**
